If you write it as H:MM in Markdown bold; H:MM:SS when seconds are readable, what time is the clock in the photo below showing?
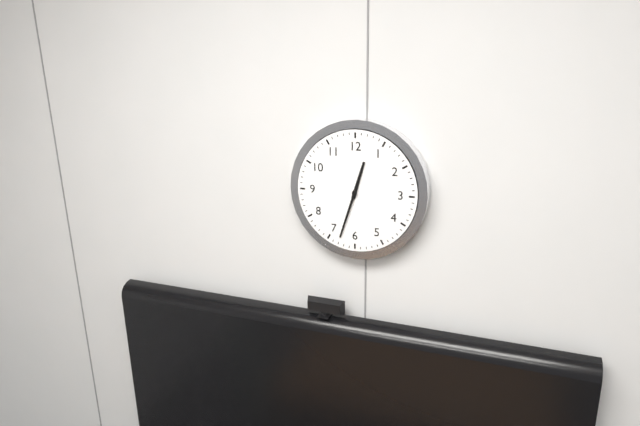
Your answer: **12:33**
